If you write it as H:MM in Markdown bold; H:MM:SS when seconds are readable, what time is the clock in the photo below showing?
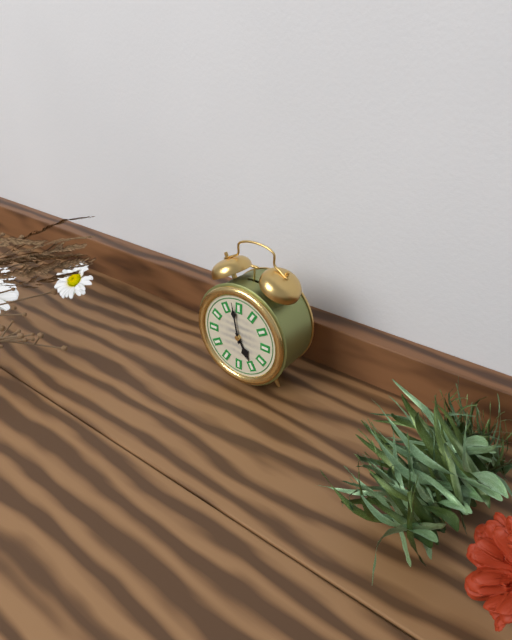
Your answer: **4:58**
